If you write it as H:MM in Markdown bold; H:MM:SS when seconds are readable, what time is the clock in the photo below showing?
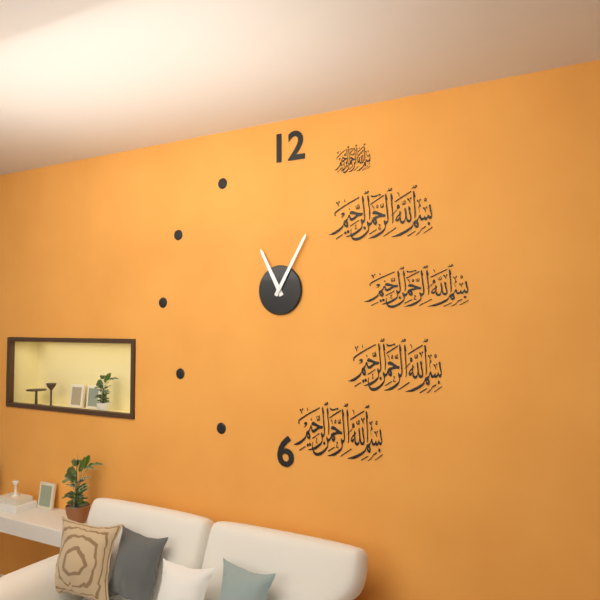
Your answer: **11:05**
